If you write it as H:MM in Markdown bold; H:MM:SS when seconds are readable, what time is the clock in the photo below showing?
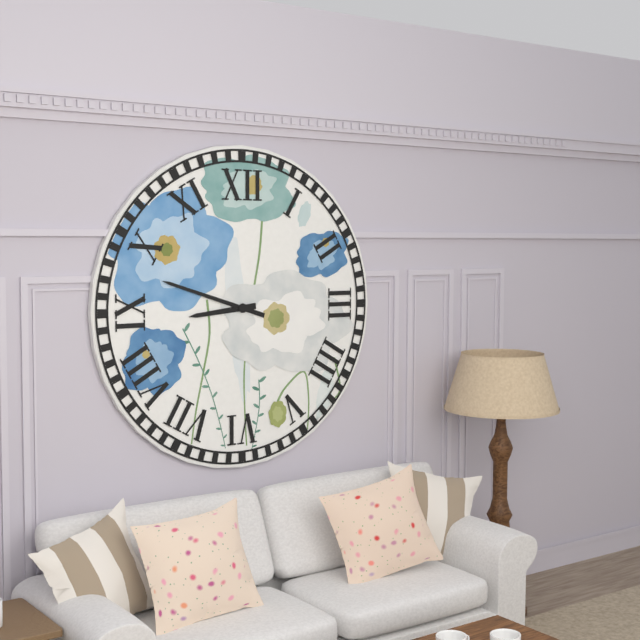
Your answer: **8:48**
